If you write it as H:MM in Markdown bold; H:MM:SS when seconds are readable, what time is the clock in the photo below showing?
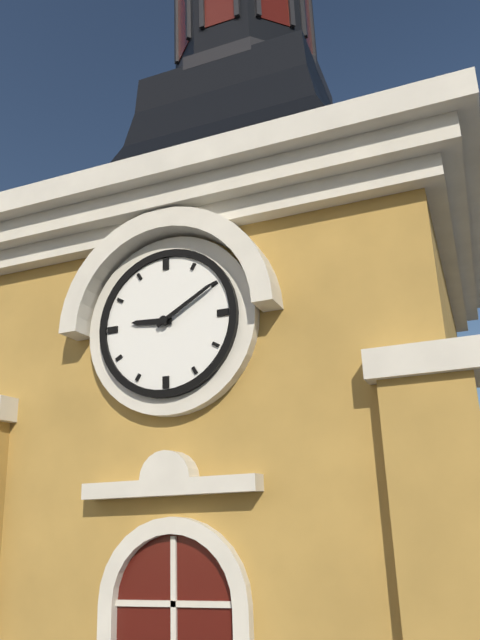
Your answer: **9:10**
